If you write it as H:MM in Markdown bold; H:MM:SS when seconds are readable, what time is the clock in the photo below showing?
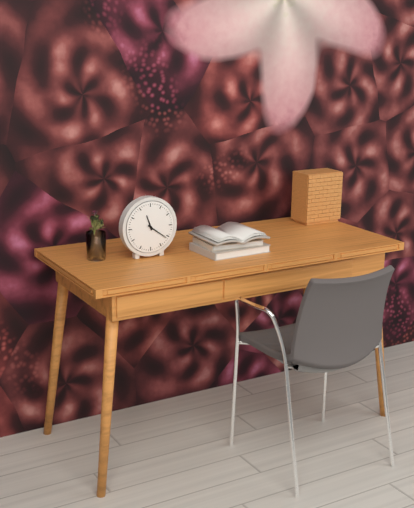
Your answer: **11:21**
